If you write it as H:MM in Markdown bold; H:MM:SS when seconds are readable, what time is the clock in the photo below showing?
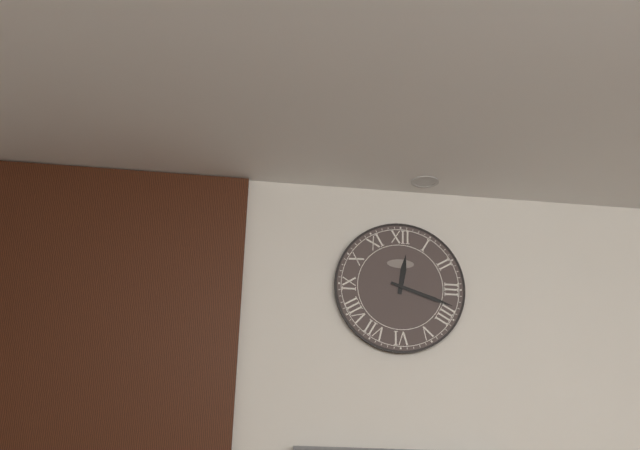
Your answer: **12:18**
